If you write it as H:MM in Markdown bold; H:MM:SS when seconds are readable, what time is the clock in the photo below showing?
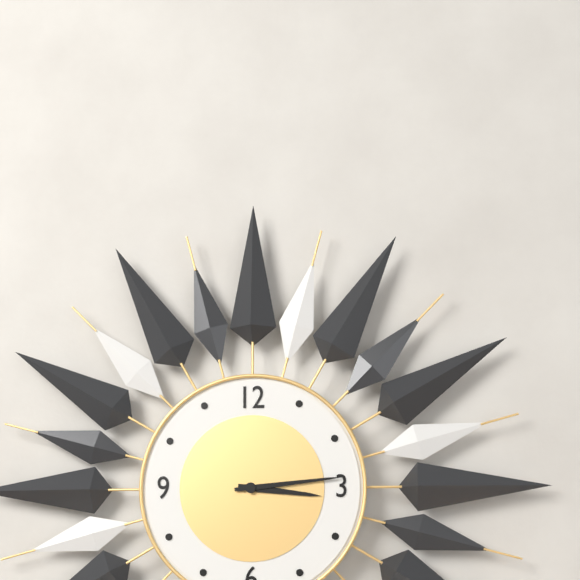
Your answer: **3:14**
